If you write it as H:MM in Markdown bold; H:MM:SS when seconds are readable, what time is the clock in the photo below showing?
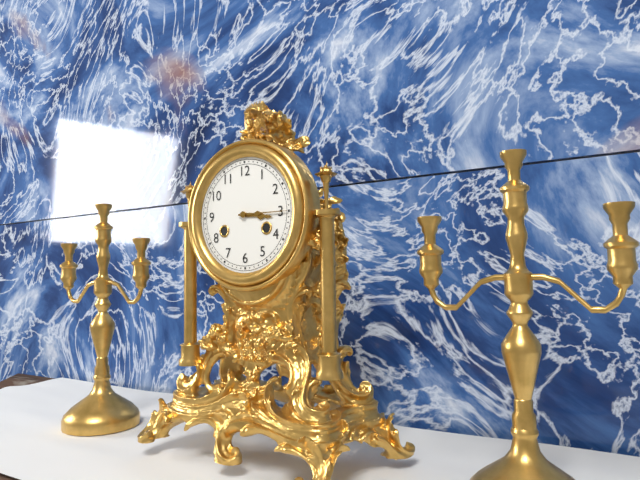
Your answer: **3:15**
